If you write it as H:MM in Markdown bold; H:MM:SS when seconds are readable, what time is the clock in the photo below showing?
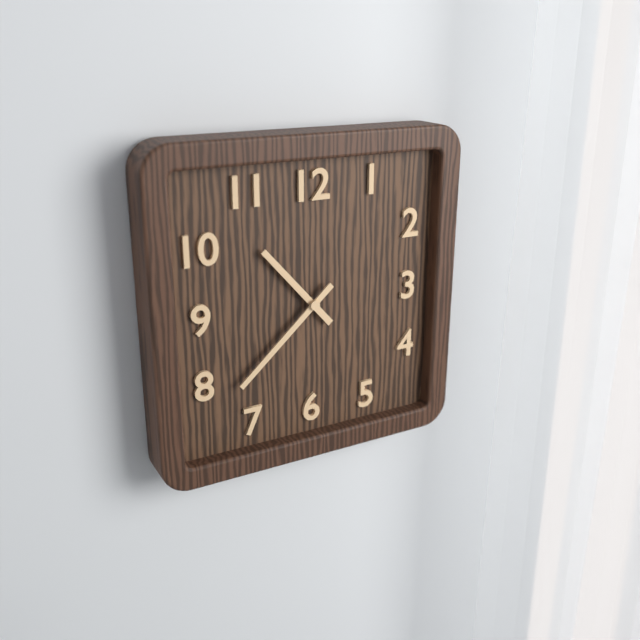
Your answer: **10:38**
